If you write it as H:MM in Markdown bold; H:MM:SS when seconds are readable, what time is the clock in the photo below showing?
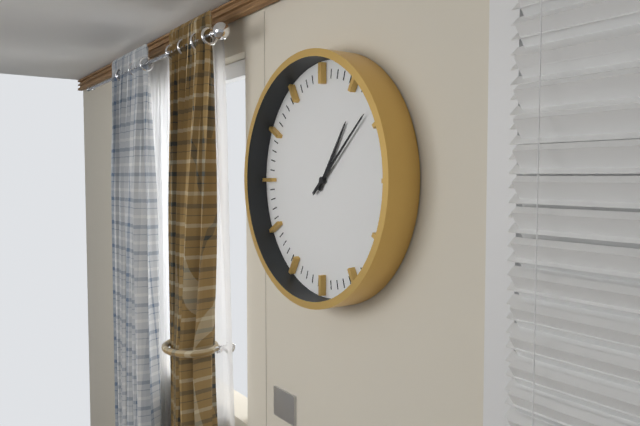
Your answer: **1:08**
